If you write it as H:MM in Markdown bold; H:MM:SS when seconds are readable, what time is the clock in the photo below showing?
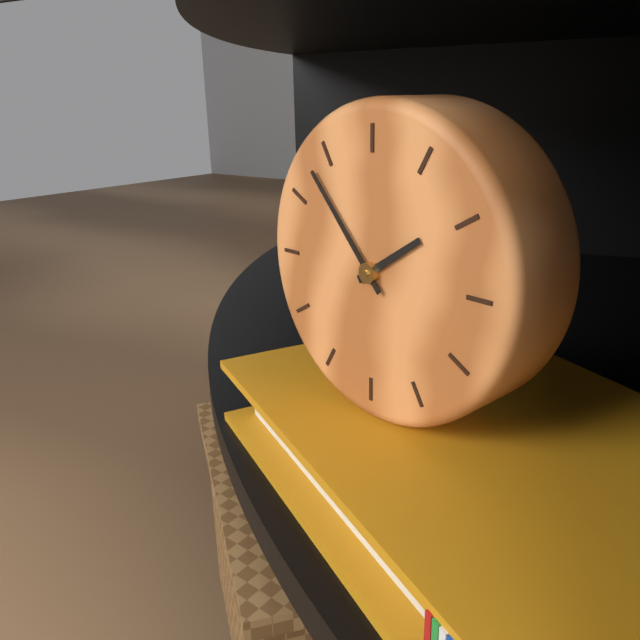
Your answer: **1:53**
